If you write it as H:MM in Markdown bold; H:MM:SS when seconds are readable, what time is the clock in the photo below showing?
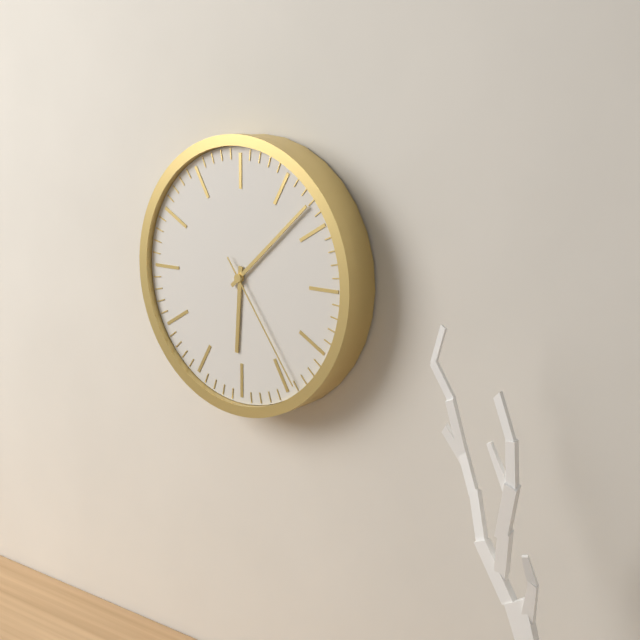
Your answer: **6:08:24**
